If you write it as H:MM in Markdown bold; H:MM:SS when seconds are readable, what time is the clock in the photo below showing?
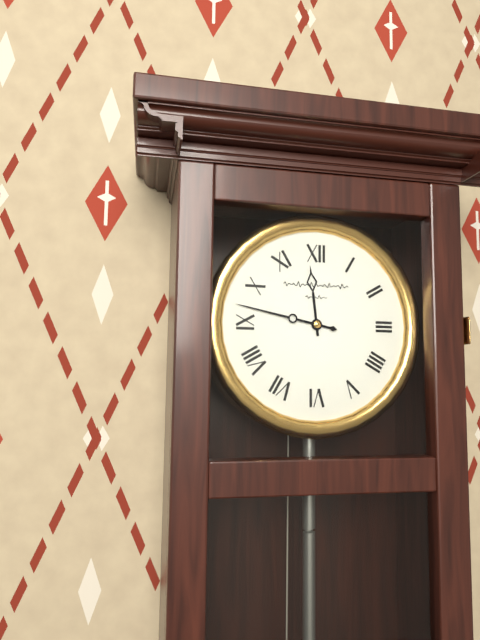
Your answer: **11:47**
